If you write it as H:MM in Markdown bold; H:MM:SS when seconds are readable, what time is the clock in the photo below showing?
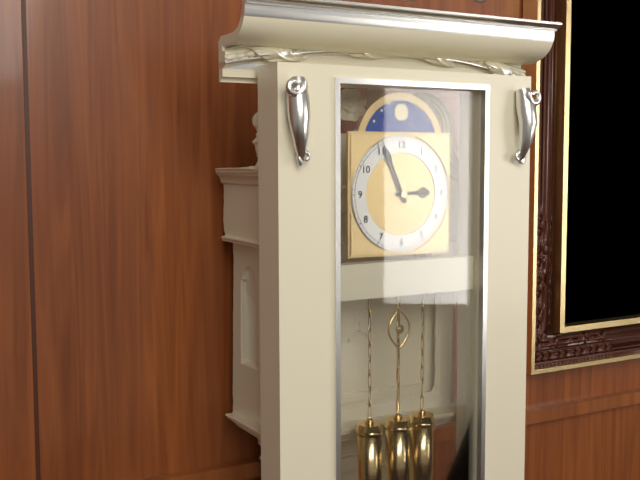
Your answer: **2:56**
